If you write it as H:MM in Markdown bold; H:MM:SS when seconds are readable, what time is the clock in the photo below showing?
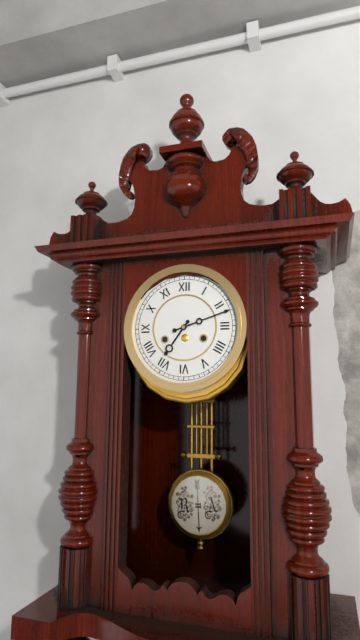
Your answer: **7:12**
